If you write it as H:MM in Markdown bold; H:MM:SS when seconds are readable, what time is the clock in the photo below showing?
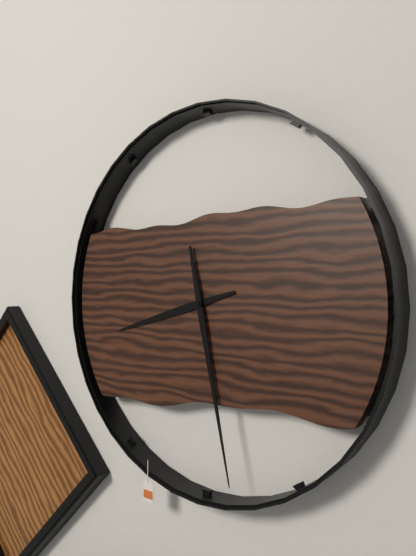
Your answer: **8:28**
